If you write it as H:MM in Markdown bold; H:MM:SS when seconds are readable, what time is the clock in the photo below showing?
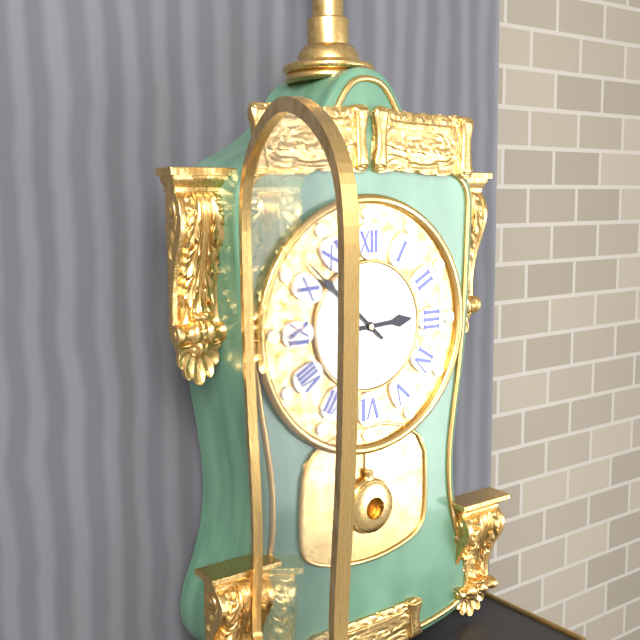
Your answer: **2:52**
